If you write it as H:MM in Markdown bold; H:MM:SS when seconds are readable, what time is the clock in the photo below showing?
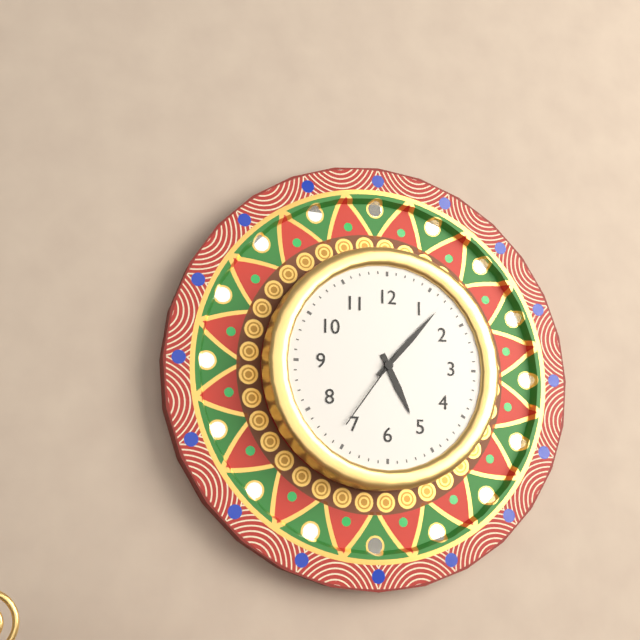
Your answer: **5:07:36**
